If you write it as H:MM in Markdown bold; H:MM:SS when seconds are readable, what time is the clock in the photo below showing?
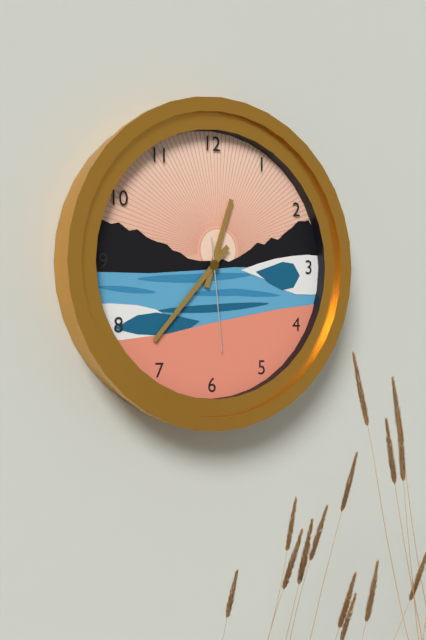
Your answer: **12:37:29**
